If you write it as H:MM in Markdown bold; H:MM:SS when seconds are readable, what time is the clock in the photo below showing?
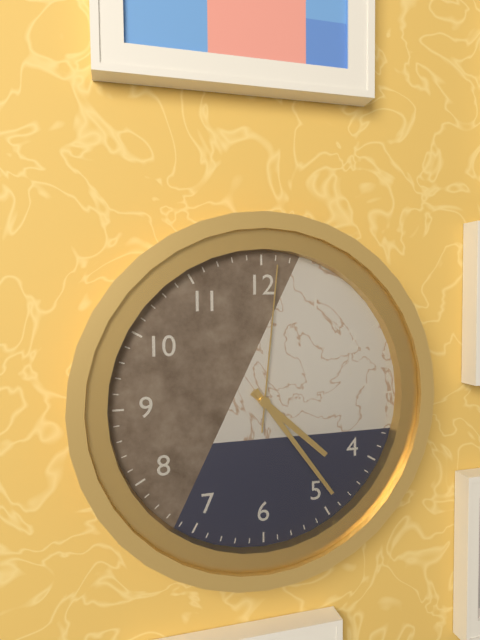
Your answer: **4:24:01**
